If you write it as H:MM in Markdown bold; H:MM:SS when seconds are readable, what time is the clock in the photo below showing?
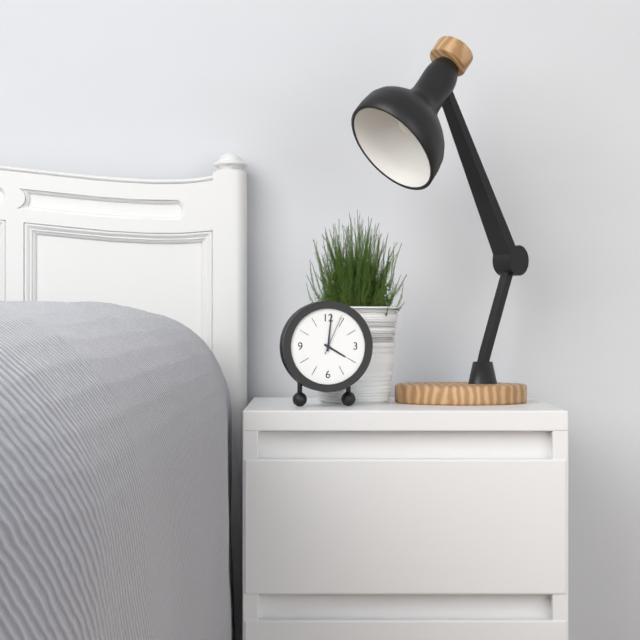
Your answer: **4:01**
